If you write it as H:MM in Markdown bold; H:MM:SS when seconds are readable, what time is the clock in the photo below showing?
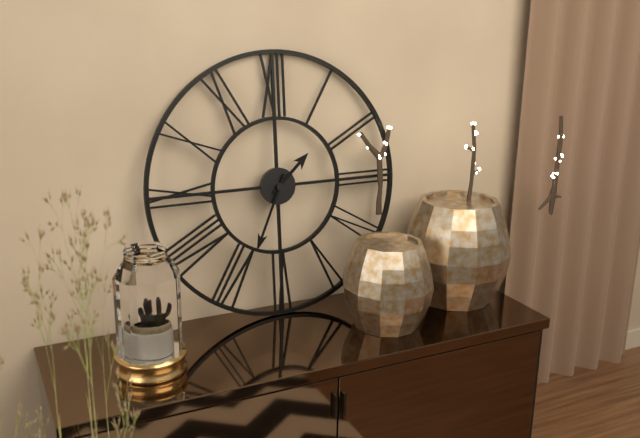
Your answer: **1:34**
